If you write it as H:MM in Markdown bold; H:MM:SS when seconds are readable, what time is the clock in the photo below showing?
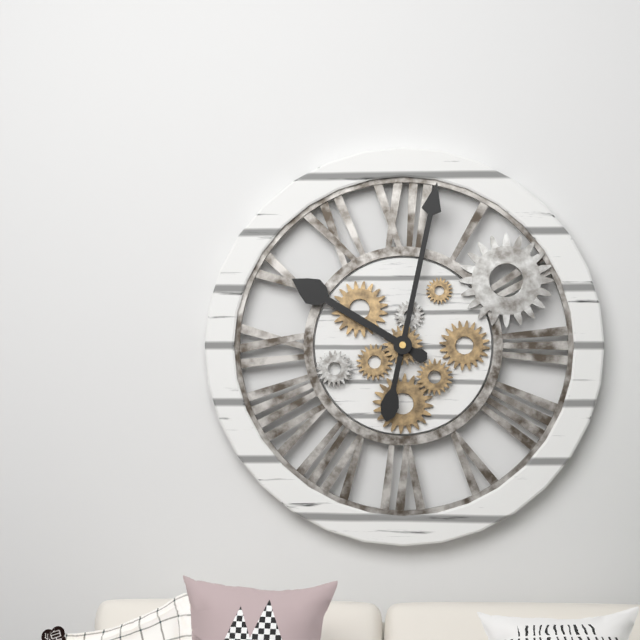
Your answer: **10:02**
